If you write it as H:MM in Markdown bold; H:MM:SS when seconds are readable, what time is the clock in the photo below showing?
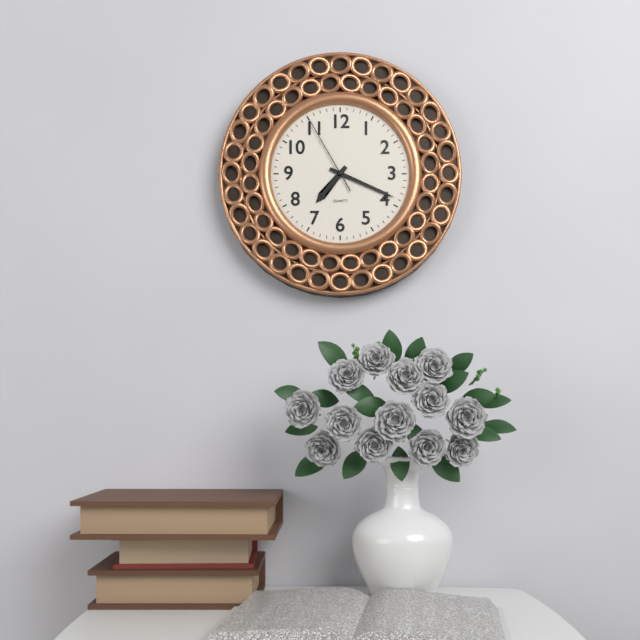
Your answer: **7:19:55**
